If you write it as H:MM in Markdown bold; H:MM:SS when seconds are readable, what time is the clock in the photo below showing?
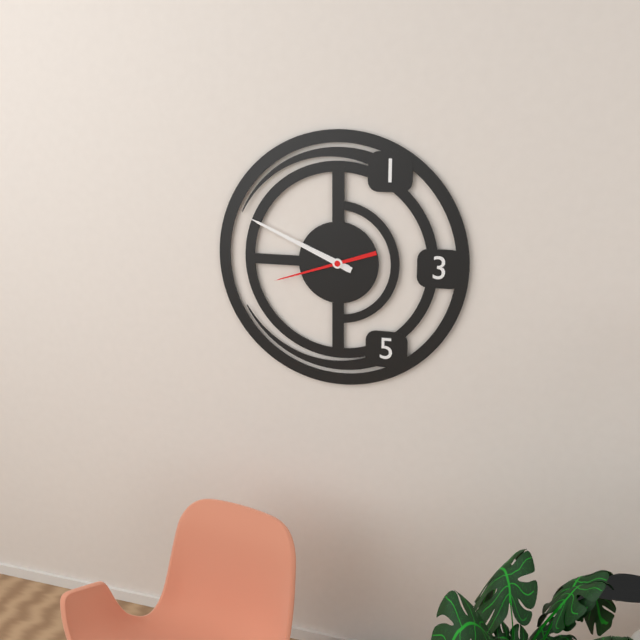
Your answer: **9:49:42**
